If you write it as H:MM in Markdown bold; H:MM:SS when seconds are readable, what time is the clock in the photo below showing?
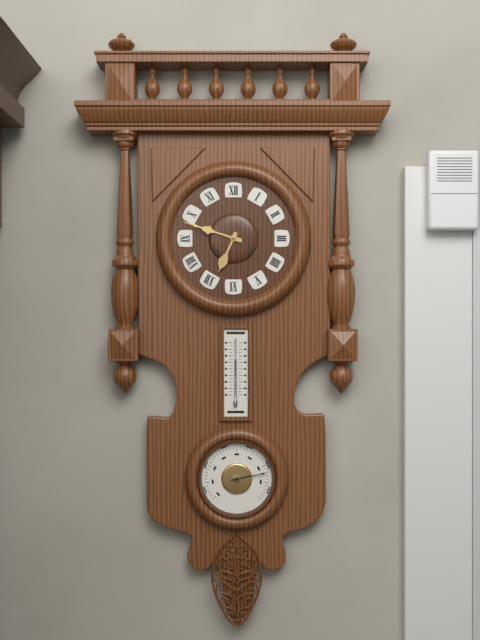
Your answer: **6:48**
